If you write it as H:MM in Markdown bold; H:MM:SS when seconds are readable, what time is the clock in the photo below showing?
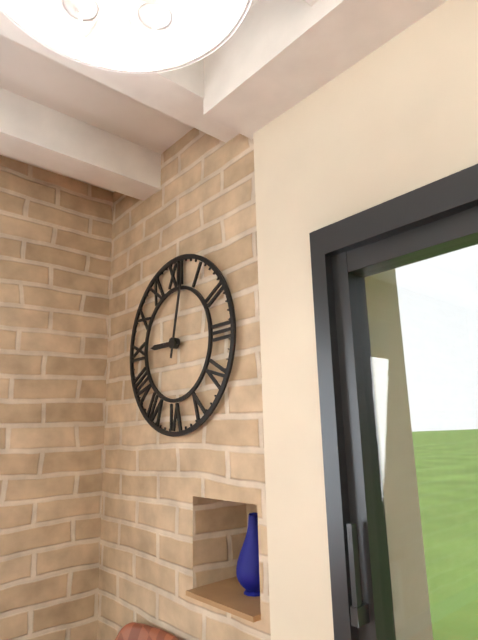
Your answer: **9:02**
